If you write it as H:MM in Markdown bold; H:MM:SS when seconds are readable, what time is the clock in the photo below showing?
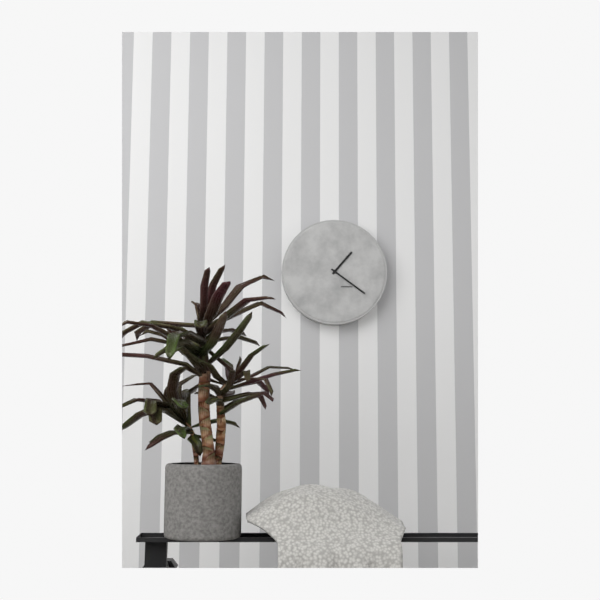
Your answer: **1:21**
